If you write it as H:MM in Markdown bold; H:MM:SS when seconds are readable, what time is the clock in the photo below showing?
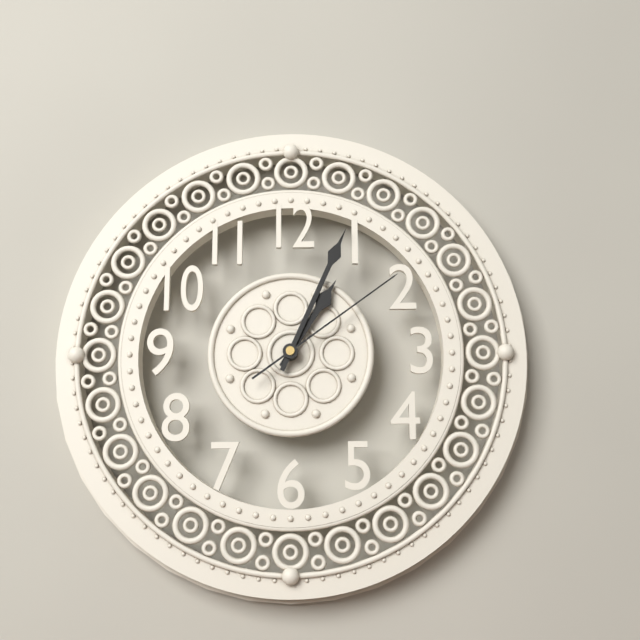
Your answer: **1:04:09**
